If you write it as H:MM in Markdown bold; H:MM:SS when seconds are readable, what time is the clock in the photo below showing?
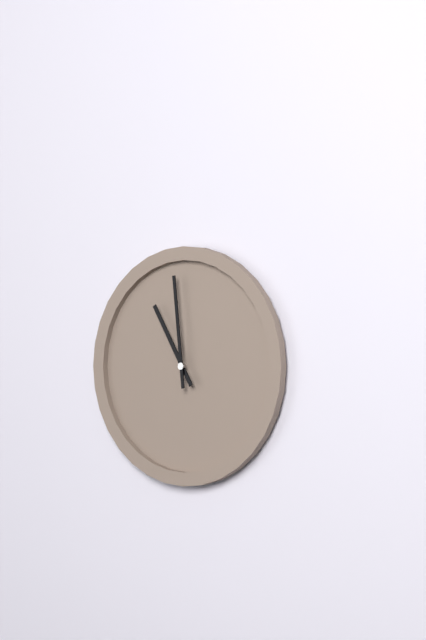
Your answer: **10:59**
